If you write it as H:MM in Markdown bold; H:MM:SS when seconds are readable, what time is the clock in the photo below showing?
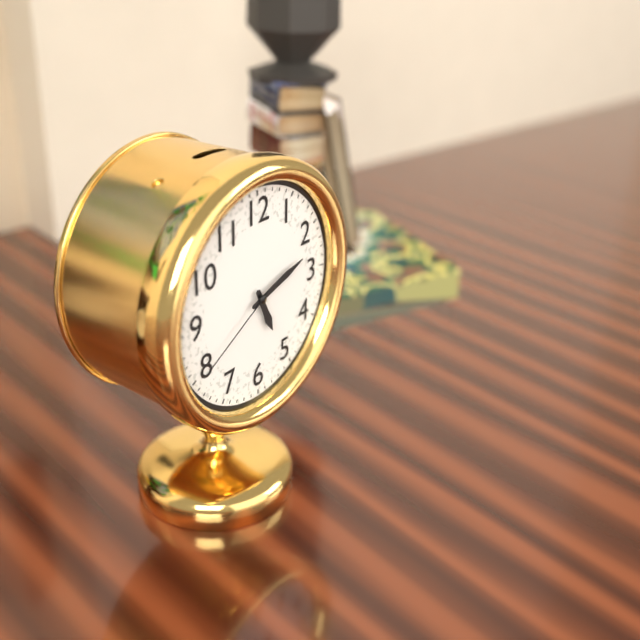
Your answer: **5:12:40**
